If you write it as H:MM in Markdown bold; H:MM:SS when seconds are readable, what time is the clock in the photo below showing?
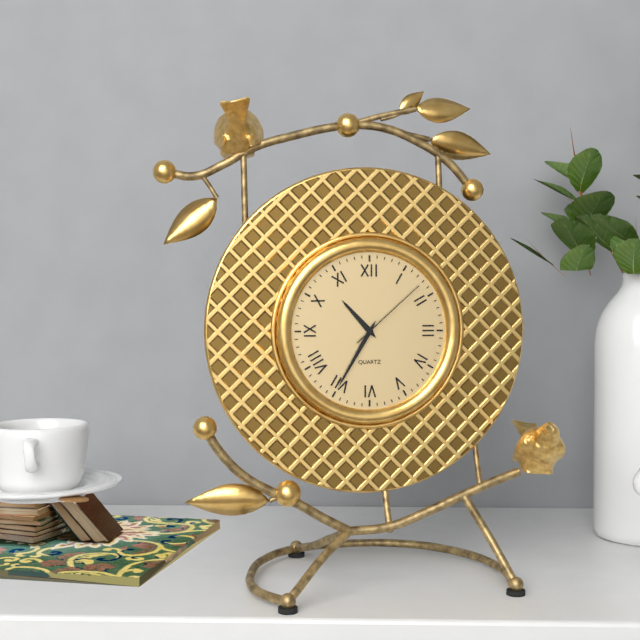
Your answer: **10:35:08**
